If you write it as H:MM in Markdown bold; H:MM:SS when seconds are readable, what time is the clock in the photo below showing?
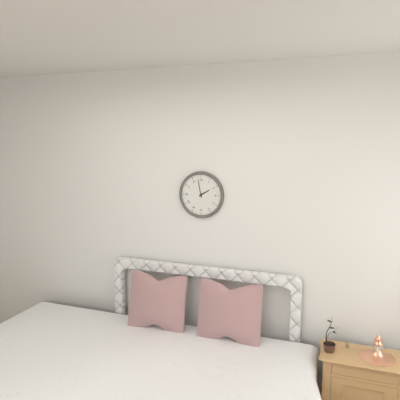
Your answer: **1:58**
